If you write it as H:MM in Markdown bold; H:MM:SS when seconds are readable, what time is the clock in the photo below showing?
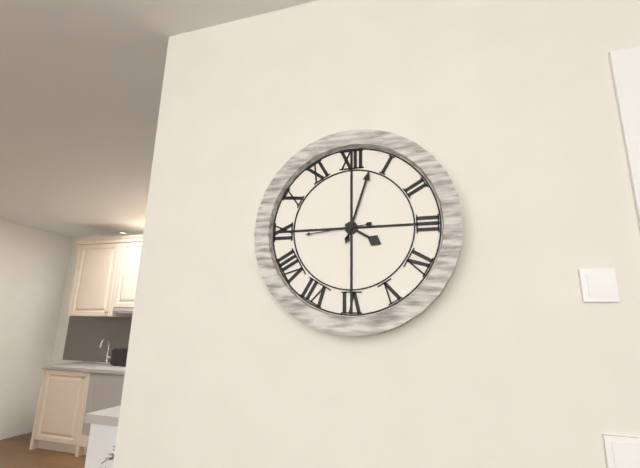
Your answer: **4:03:44**
